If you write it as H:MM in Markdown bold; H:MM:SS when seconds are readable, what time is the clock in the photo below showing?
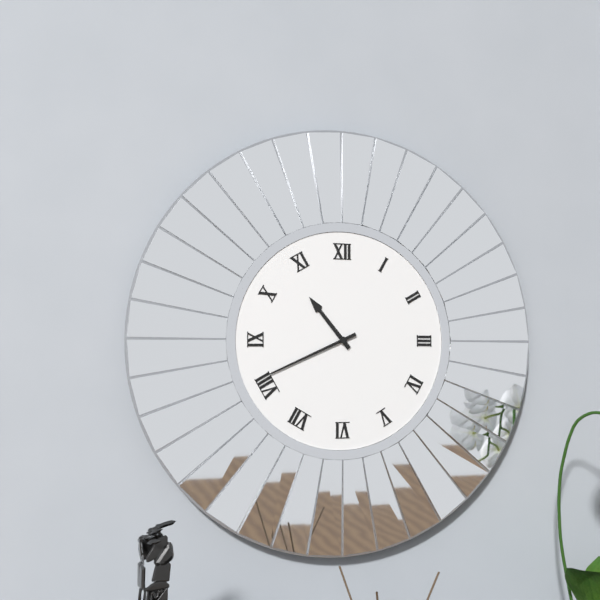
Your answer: **10:41**
